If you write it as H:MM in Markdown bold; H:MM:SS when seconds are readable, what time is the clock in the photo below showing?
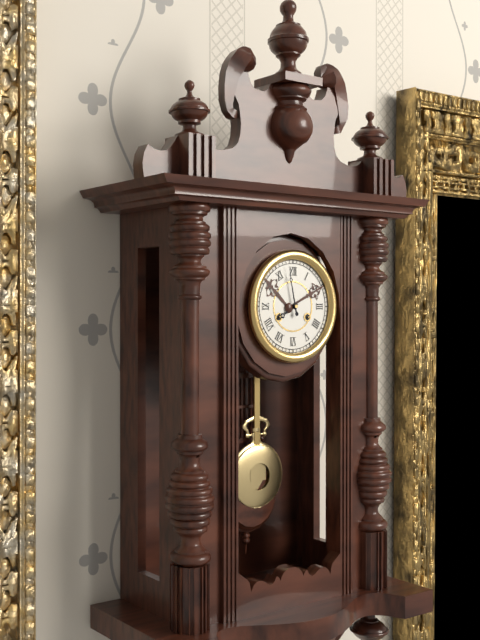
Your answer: **7:58**
